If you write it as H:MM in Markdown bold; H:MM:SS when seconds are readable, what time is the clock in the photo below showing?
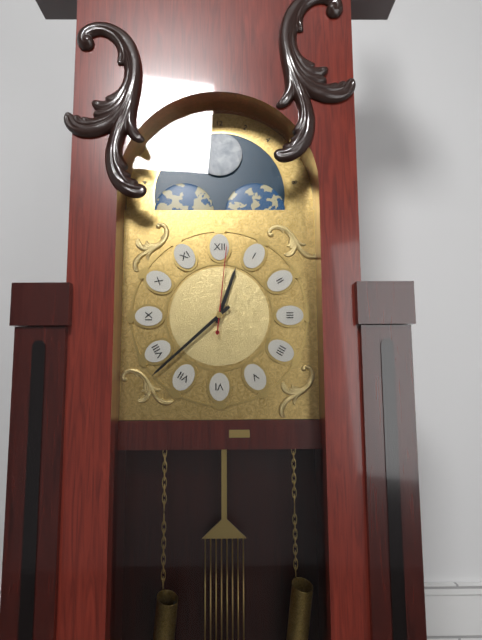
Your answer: **12:38:01**
